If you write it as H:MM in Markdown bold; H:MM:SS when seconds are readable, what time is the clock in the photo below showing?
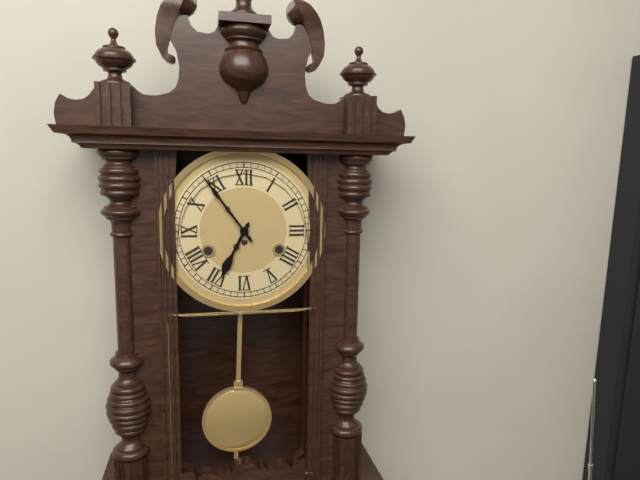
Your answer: **6:54**
